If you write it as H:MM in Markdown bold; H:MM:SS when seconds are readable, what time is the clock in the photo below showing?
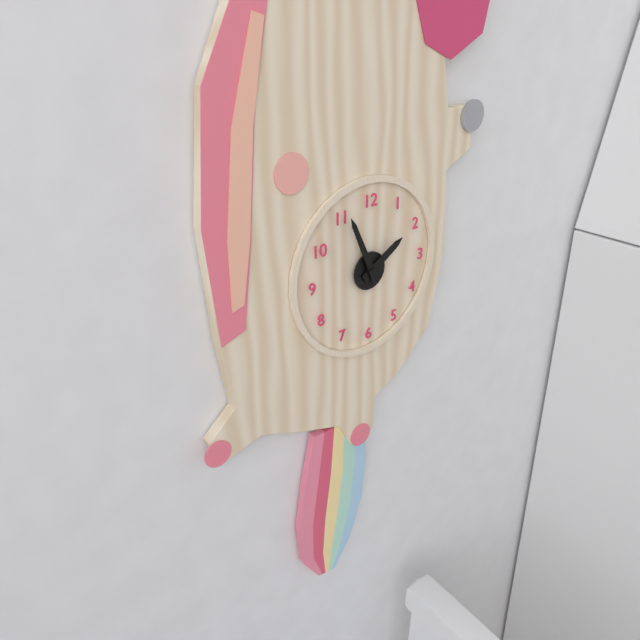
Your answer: **1:56**
